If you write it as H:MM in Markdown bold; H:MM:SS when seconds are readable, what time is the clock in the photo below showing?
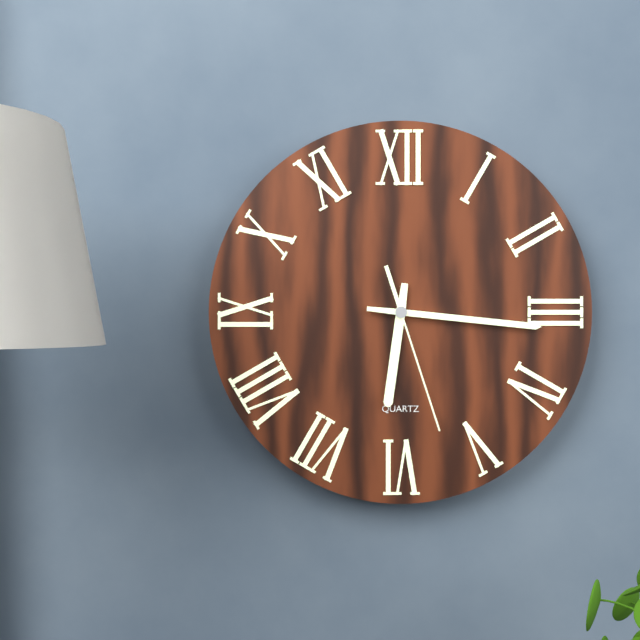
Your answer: **6:16:27**
